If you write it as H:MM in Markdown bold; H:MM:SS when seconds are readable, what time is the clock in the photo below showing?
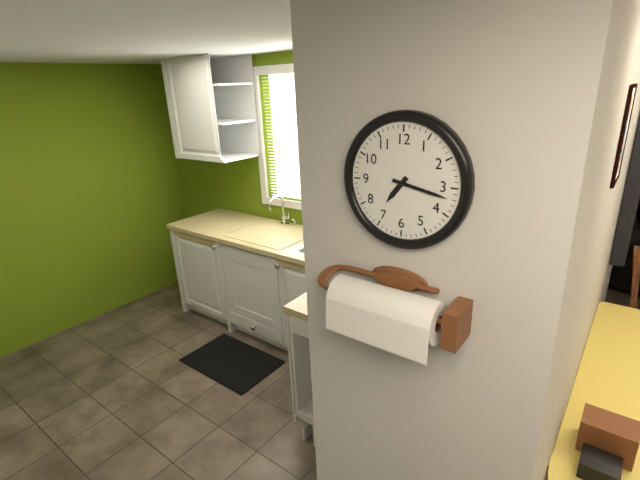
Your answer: **7:17**
